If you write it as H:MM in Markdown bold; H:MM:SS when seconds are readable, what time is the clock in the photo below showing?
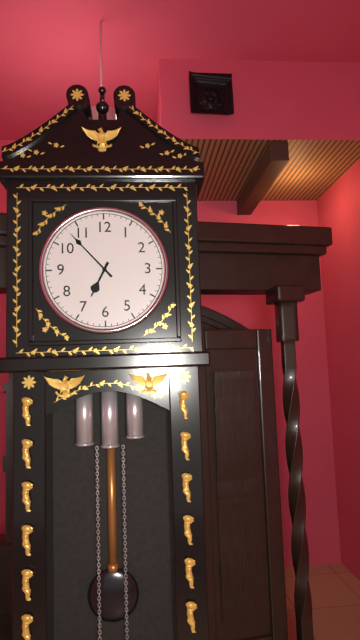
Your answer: **6:53**
